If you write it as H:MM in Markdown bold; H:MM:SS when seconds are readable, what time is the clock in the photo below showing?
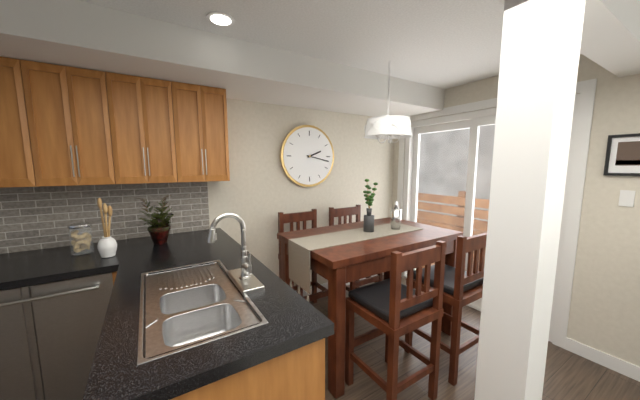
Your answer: **2:17**
